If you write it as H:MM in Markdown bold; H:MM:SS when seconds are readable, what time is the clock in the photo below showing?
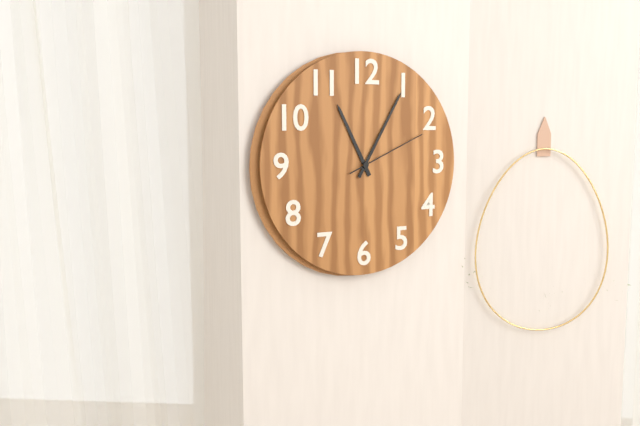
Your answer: **11:05:11**
